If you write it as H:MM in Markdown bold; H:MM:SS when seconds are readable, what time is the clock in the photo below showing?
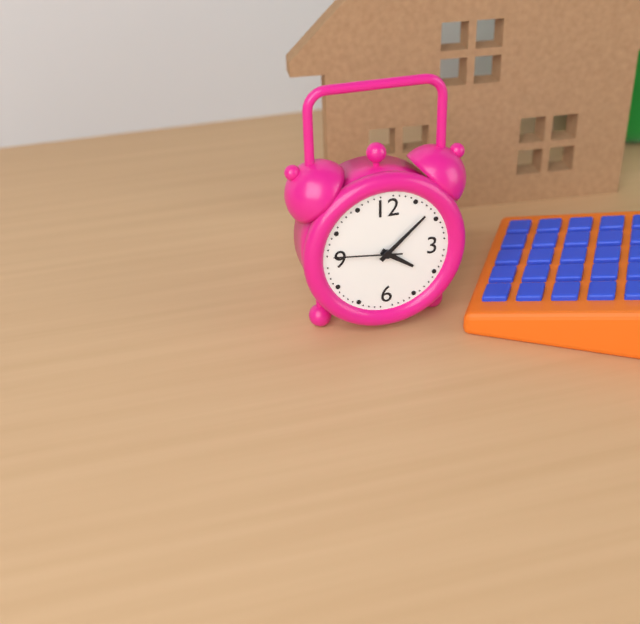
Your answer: **4:08:46**
